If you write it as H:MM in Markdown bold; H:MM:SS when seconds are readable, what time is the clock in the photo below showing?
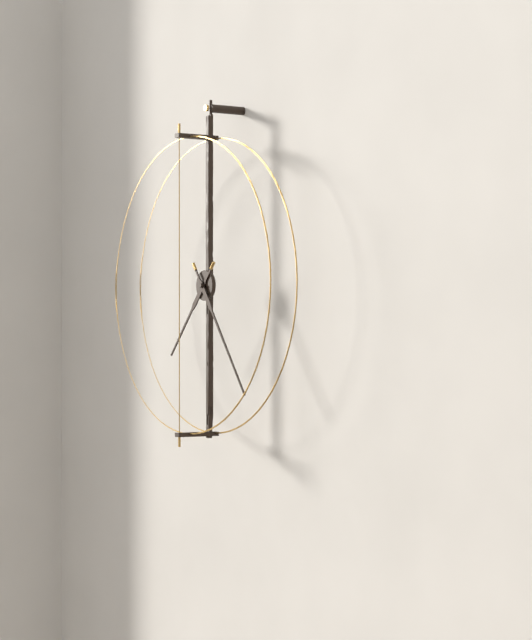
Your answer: **7:24**
